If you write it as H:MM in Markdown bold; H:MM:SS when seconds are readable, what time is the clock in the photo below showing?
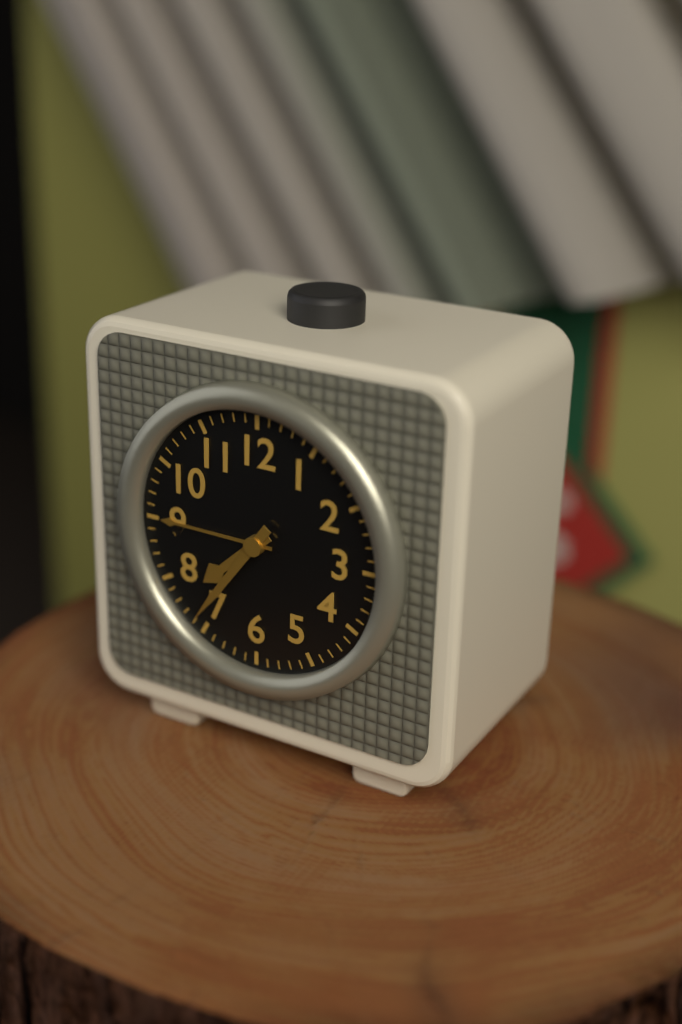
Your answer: **7:36**
